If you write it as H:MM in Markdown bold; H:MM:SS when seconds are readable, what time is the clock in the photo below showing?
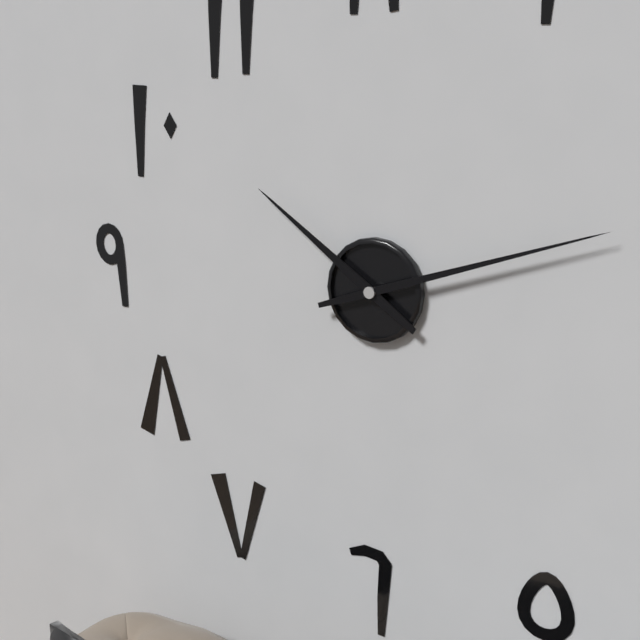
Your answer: **10:12**
